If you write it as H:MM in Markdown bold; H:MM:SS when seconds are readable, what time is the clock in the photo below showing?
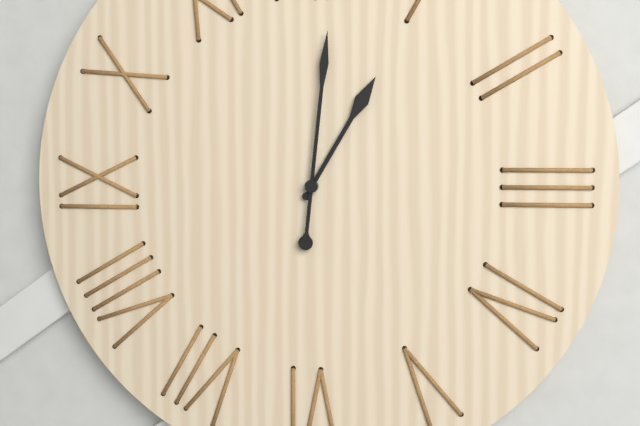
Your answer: **1:01**
